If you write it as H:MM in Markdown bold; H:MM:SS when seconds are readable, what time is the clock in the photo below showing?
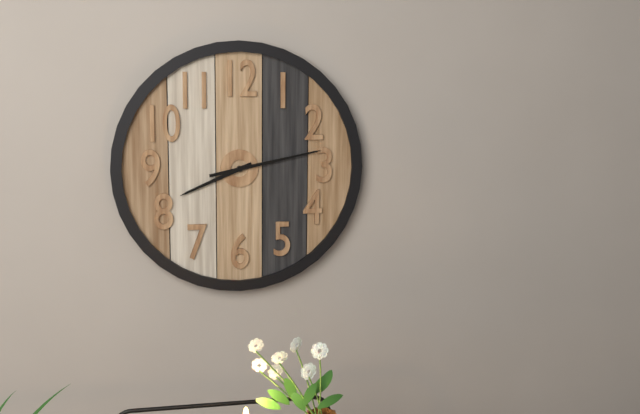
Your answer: **8:13**
